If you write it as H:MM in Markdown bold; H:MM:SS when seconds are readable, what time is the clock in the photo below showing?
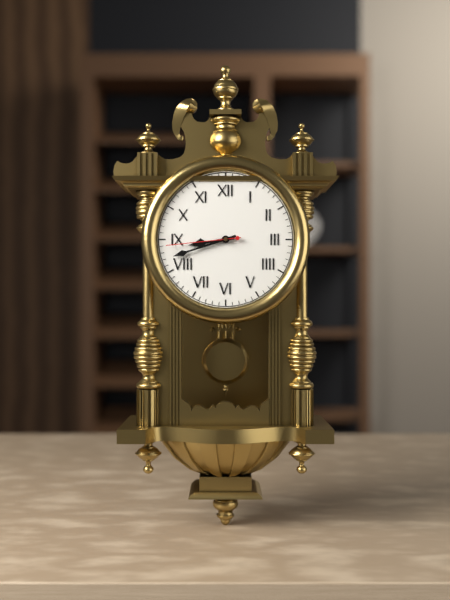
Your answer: **8:42:44**
